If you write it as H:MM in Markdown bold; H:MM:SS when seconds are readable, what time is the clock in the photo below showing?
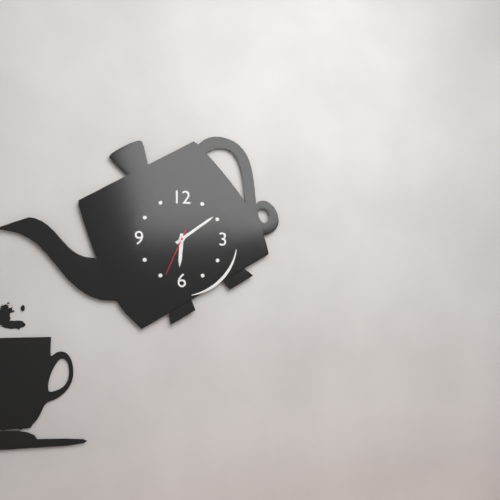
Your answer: **6:09**
